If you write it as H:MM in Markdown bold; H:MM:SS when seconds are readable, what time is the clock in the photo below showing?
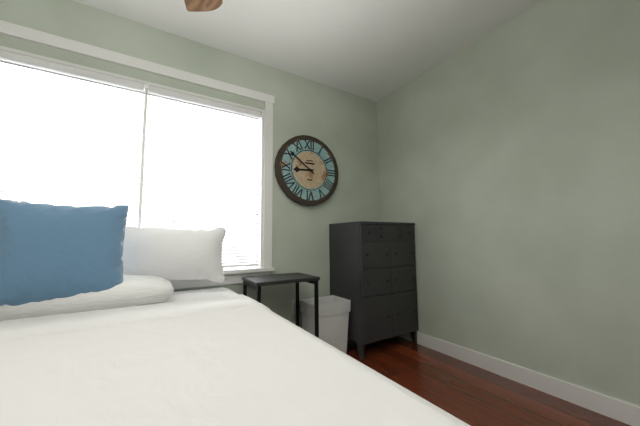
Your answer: **8:51**
